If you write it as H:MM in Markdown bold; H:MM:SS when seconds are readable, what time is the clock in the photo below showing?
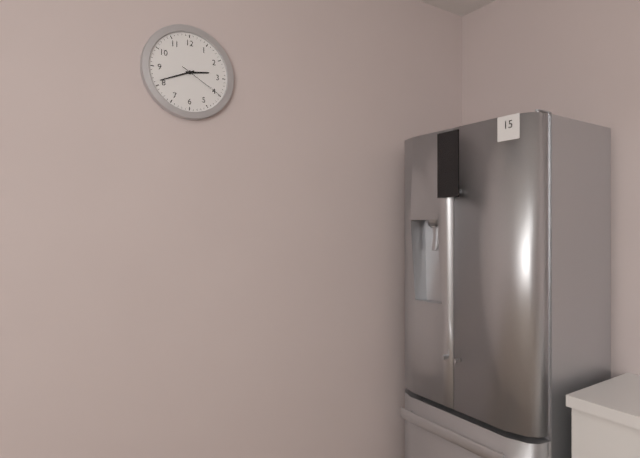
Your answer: **2:41**
